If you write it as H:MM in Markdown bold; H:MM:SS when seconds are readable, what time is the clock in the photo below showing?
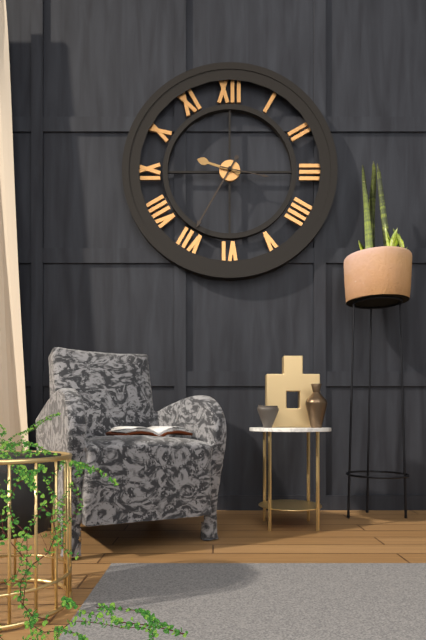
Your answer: **9:35**
